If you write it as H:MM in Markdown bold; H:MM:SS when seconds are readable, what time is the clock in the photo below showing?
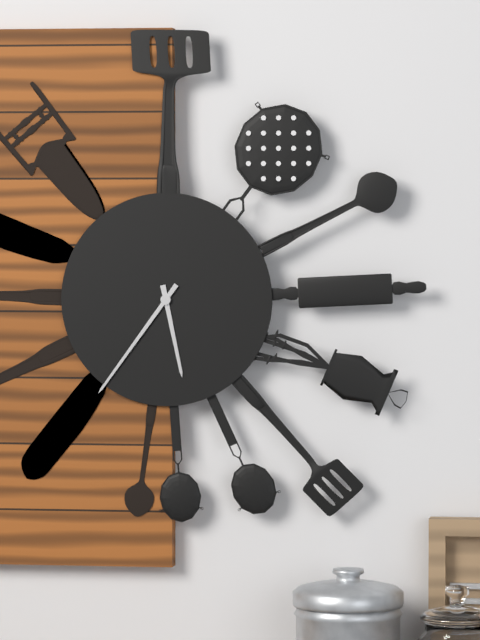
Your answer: **5:36**
